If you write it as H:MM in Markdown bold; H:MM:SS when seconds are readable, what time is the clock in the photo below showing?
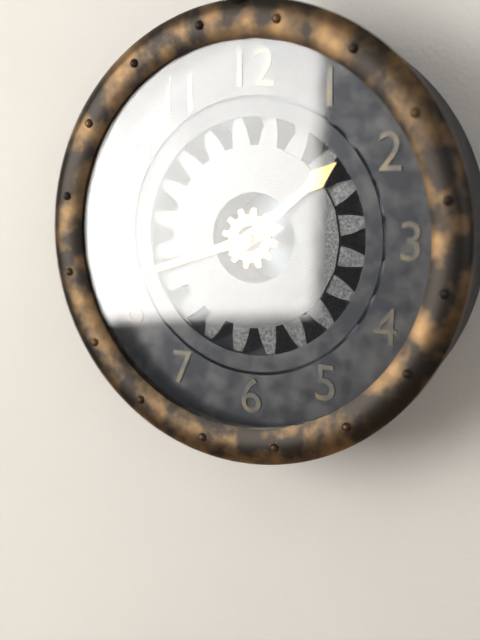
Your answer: **1:42**
